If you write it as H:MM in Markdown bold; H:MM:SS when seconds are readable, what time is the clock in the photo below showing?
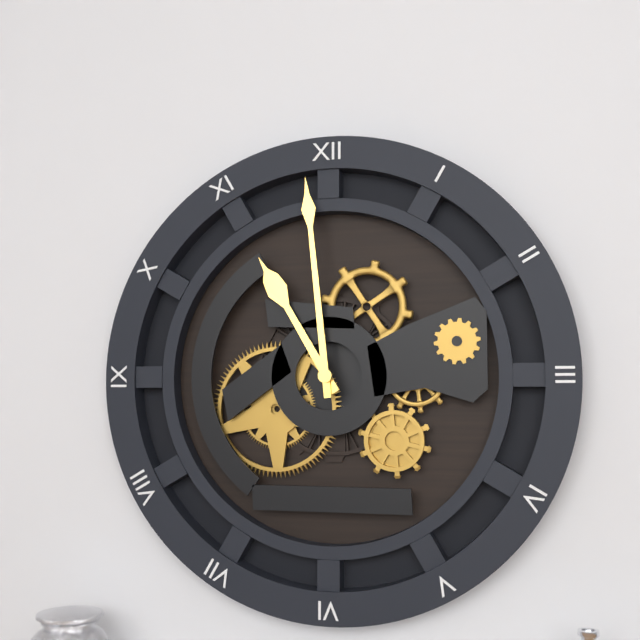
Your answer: **10:59**
